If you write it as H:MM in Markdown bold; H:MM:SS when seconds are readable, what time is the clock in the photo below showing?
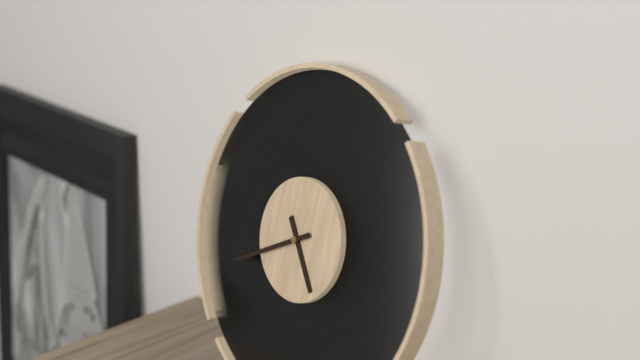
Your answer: **4:40**
